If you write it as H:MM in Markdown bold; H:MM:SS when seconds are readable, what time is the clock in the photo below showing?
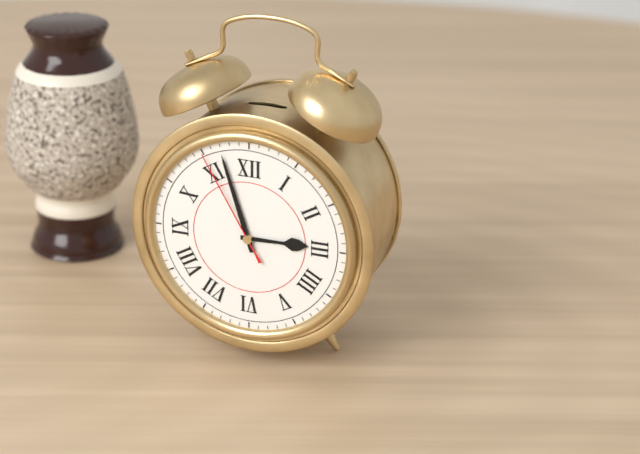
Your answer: **2:57:55**
